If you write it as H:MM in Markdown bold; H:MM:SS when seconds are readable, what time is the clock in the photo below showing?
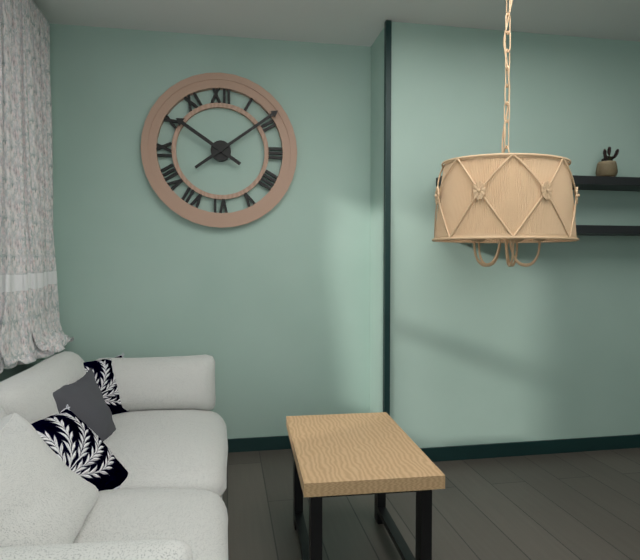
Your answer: **10:09**
